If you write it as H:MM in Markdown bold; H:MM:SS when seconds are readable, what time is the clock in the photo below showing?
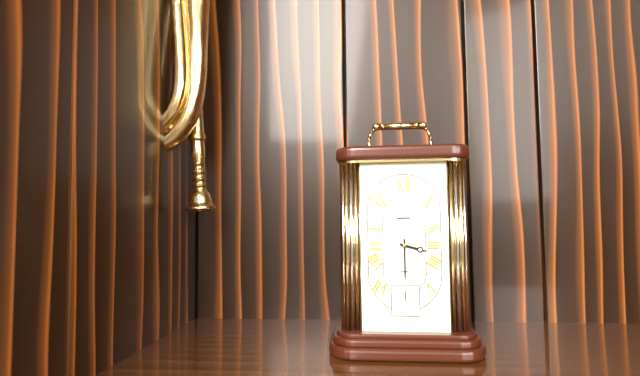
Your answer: **3:30**
